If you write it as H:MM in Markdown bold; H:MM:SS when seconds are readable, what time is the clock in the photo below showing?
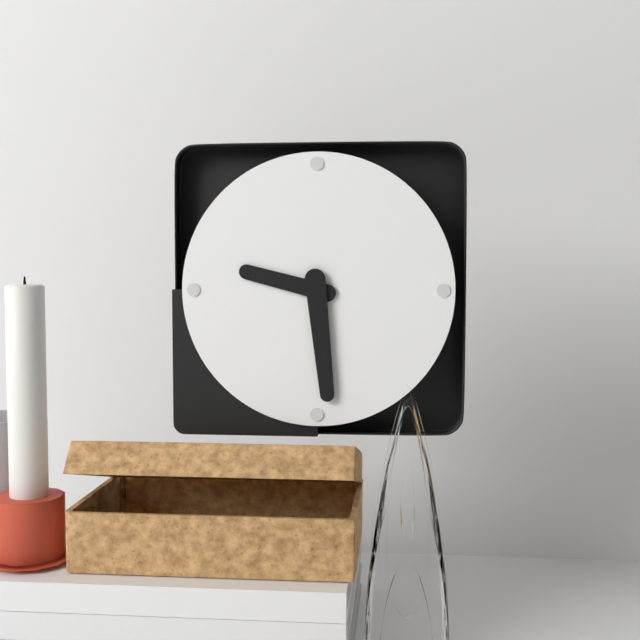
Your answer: **9:29**
